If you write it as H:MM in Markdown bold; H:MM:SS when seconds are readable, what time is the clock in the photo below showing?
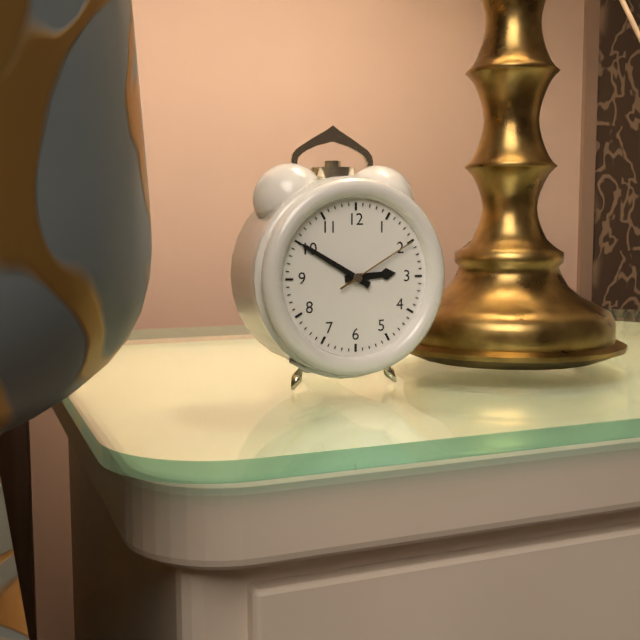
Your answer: **2:50:10**
